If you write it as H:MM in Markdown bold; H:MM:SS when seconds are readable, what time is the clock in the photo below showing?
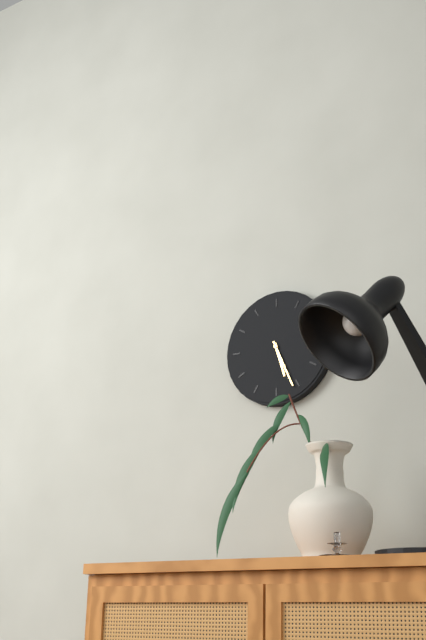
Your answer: **5:26**
